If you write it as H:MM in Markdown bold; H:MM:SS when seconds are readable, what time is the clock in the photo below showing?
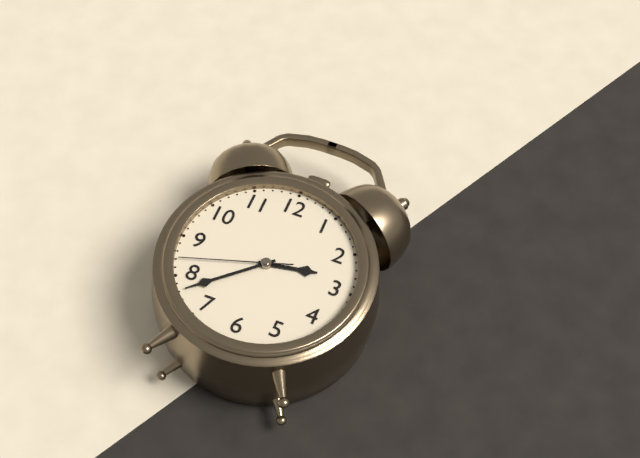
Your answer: **2:38:42**
